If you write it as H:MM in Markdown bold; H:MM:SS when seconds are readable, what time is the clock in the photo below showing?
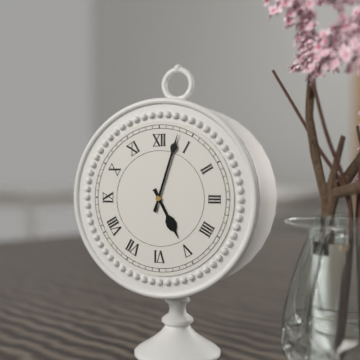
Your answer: **5:03**
